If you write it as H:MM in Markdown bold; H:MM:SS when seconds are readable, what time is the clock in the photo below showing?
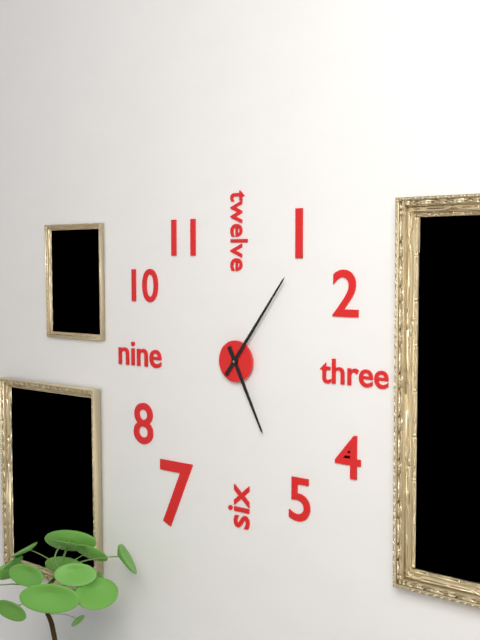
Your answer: **5:06**
